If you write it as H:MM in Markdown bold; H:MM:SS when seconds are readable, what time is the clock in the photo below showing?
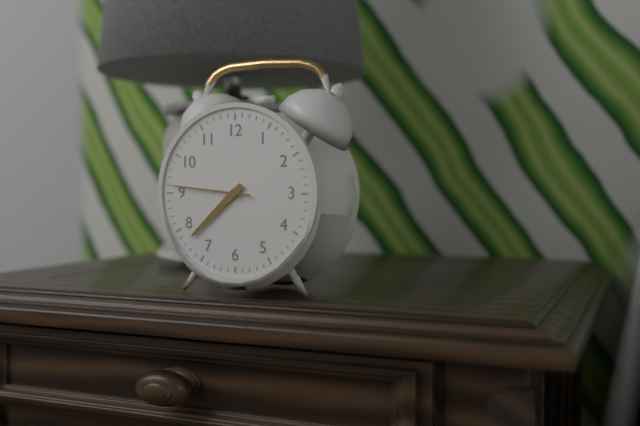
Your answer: **7:38:46**
